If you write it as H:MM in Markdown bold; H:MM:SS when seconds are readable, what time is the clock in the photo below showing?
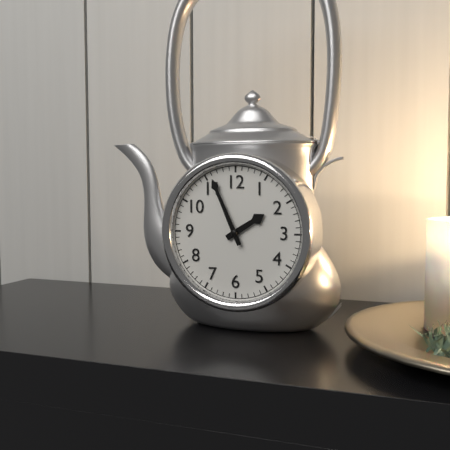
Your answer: **1:56**
